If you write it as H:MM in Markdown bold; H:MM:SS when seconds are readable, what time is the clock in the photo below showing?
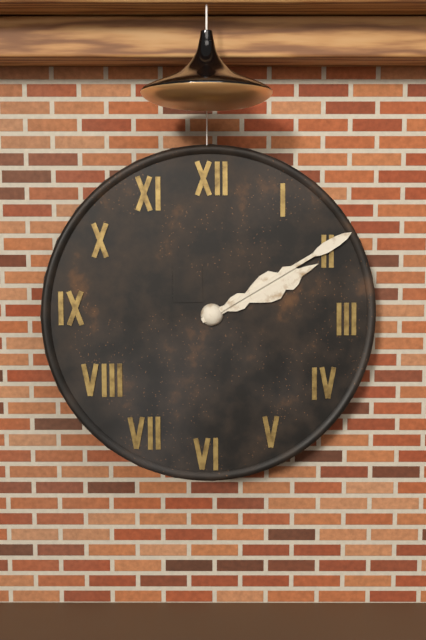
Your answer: **2:10**
